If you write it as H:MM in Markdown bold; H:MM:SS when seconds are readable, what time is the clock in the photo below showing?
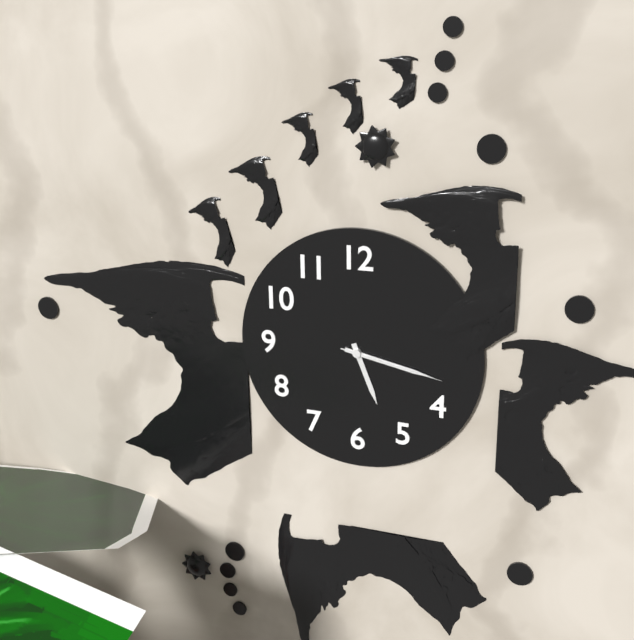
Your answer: **5:17:17**
